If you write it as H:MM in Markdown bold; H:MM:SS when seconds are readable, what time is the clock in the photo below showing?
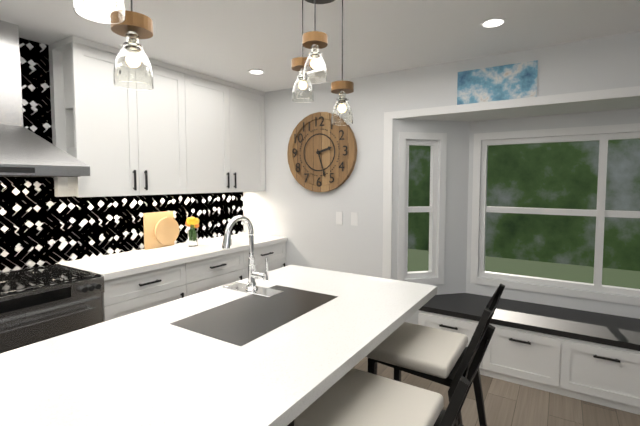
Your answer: **2:27**
